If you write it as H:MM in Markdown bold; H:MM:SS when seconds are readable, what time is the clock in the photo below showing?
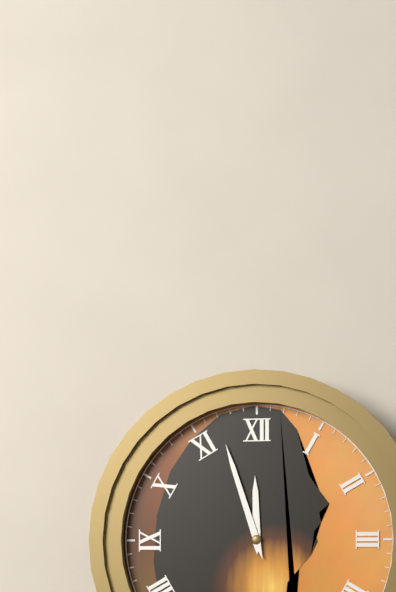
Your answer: **11:57**
